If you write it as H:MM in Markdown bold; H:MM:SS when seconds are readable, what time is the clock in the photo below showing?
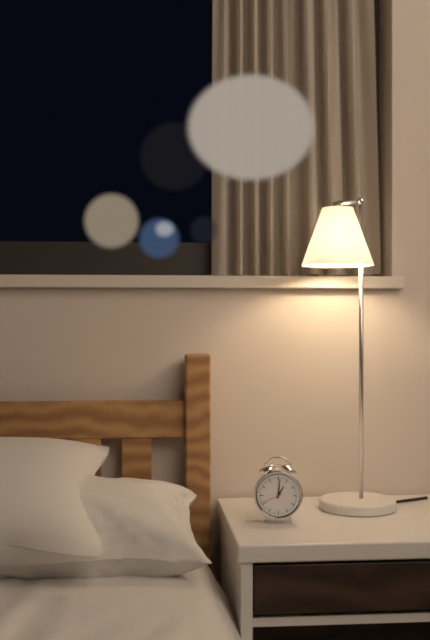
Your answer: **1:01**
